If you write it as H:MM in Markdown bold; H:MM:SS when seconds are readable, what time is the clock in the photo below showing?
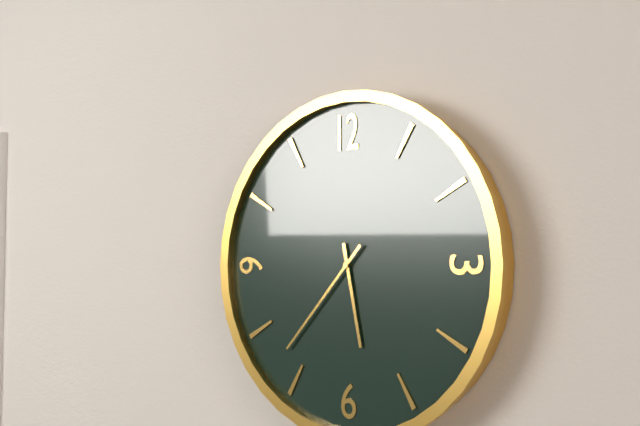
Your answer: **5:37**
